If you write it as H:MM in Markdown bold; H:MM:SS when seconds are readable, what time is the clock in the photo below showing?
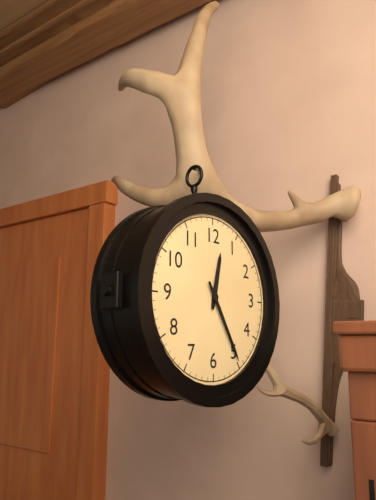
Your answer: **12:25**
